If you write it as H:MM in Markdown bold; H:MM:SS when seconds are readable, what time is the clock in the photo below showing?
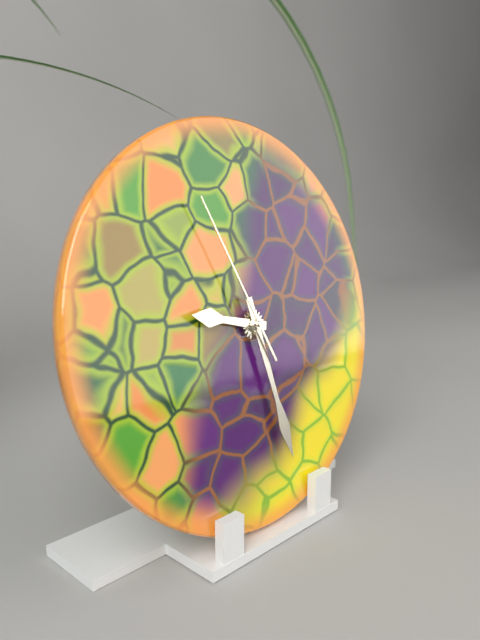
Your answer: **9:28:56**
